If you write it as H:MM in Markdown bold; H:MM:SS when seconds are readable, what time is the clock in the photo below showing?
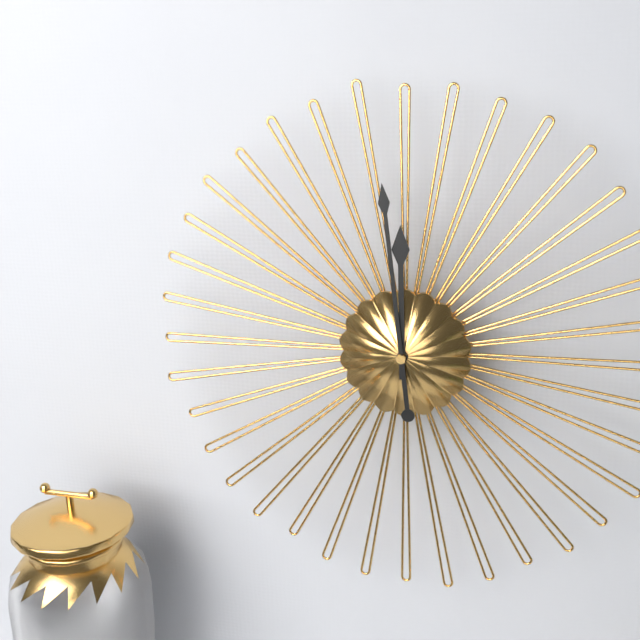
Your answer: **11:59**
